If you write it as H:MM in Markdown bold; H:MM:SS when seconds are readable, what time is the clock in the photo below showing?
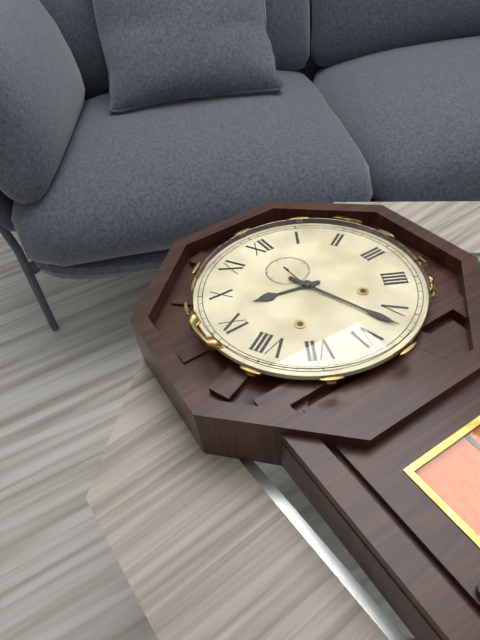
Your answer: **9:27**
